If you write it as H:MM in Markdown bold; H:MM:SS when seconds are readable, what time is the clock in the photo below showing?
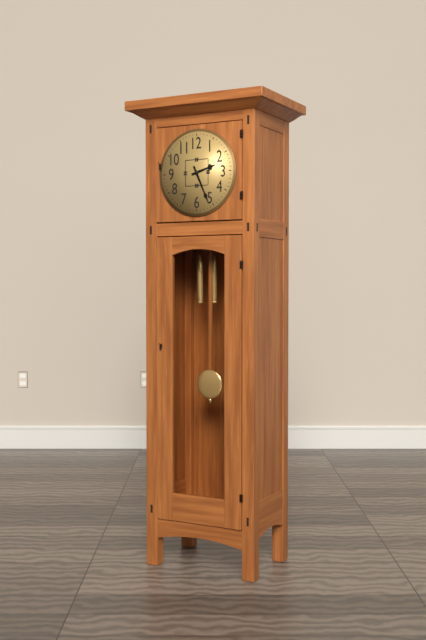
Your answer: **2:26**
